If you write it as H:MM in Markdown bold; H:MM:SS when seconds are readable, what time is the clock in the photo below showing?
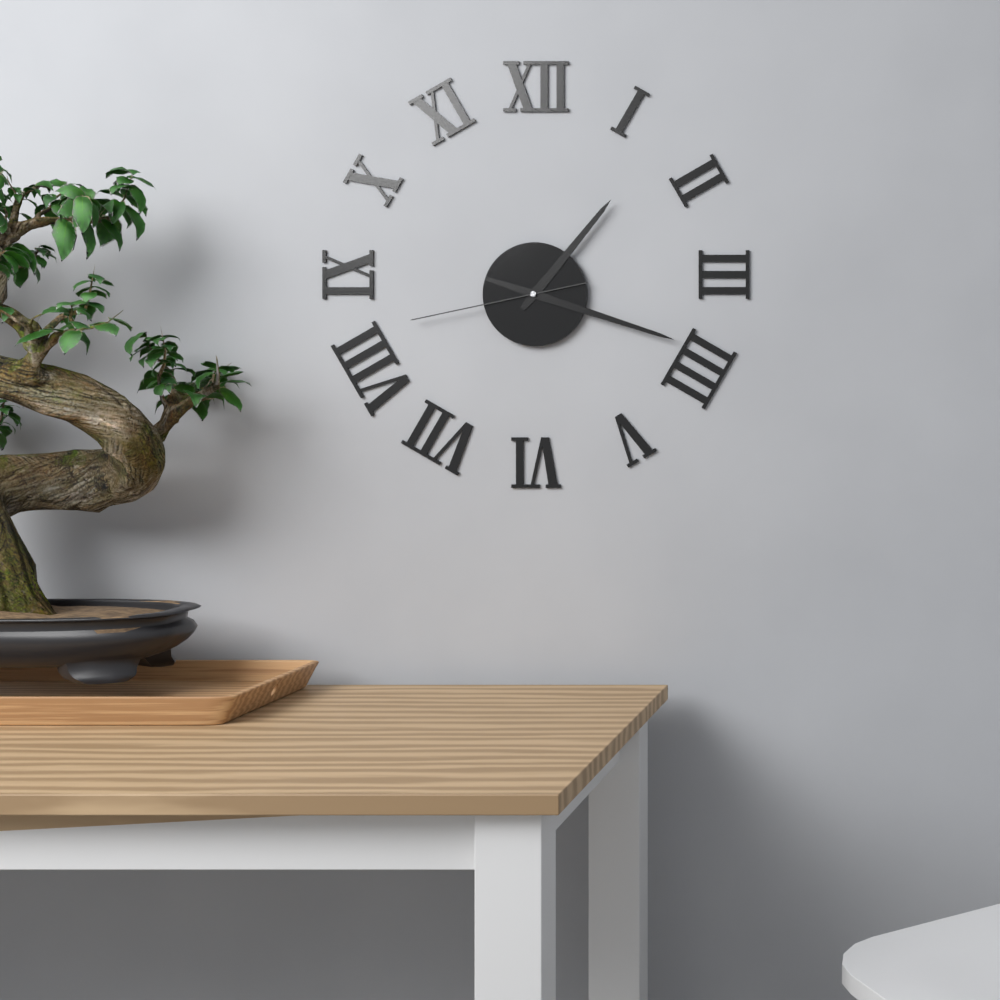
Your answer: **1:18:43**
